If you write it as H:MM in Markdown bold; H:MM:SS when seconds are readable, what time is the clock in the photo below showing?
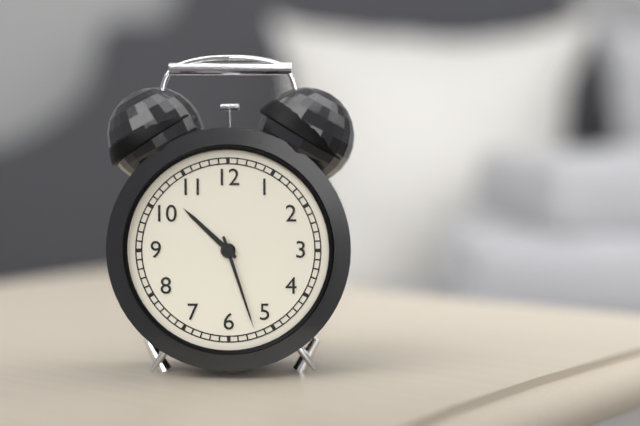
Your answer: **10:27**
